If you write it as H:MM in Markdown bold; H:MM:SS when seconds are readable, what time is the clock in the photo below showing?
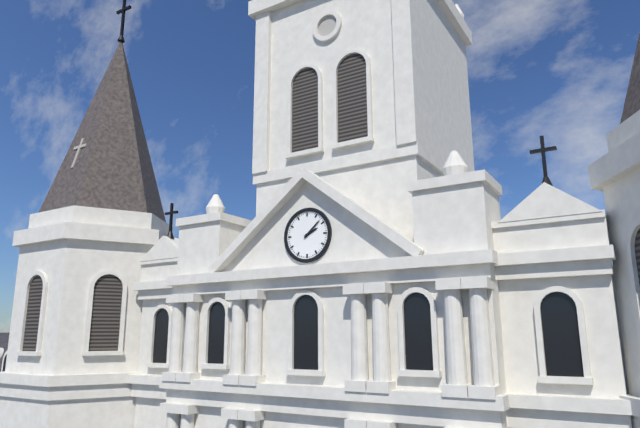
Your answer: **2:08**
